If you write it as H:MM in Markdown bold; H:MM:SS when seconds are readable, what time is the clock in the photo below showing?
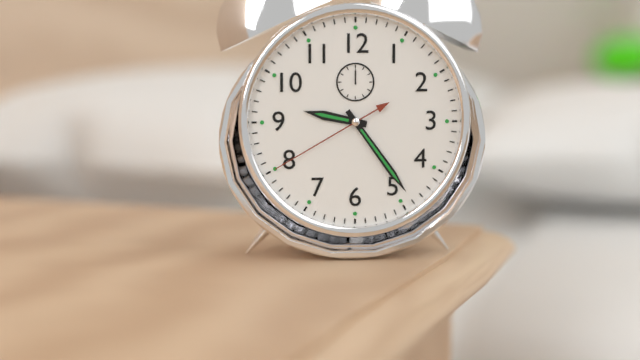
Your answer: **9:24:40**
